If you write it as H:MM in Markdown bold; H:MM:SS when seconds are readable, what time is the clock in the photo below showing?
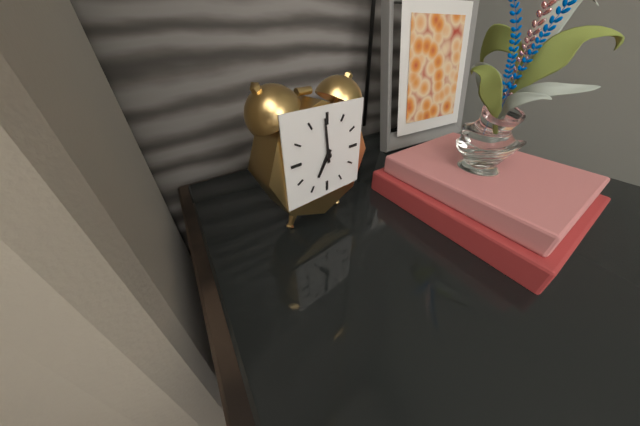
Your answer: **6:59**
